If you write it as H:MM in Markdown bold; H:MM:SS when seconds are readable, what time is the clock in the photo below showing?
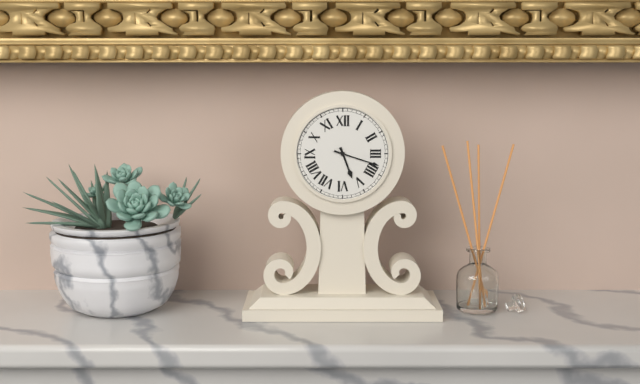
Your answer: **5:18**
